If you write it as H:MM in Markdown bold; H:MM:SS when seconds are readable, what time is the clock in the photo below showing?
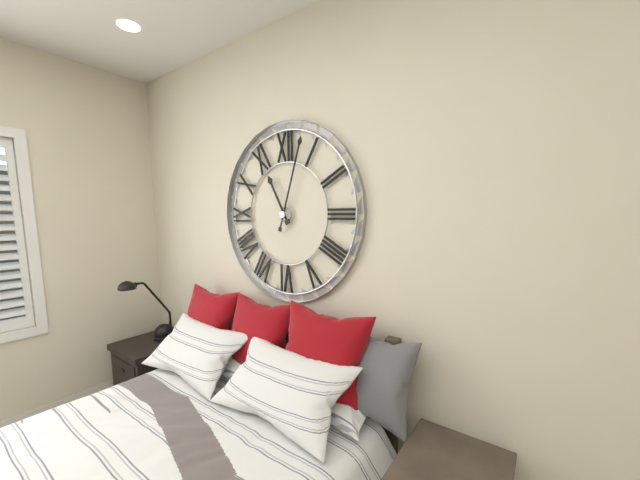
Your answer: **11:03**
